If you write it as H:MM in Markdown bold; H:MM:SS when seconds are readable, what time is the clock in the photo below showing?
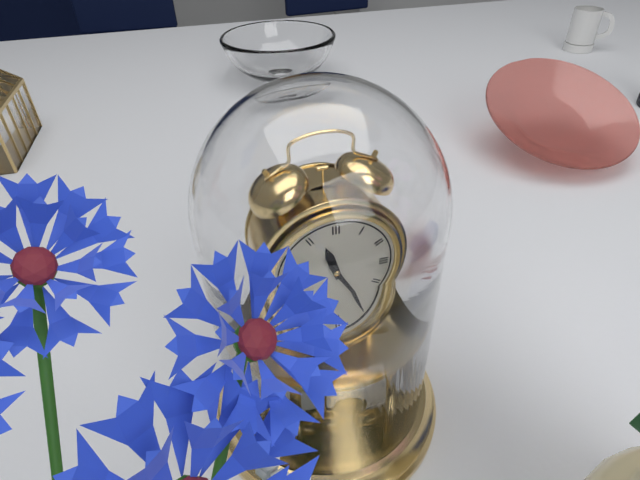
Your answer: **11:25**
